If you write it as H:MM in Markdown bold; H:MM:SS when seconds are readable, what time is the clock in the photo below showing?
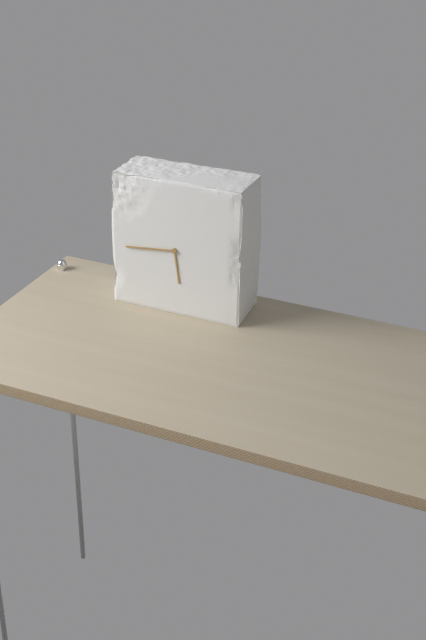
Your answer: **5:44**
